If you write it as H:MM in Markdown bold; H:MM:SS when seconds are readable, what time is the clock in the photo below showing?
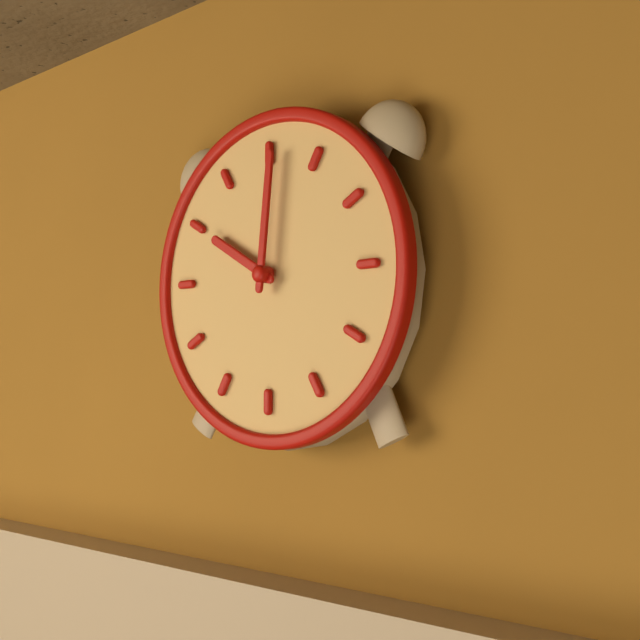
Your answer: **10:01**
